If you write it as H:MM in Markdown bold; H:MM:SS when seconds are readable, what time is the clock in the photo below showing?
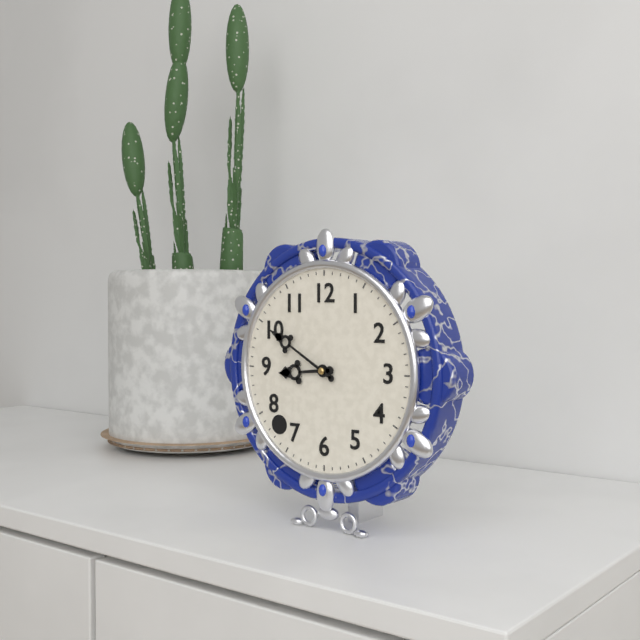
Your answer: **8:50**
